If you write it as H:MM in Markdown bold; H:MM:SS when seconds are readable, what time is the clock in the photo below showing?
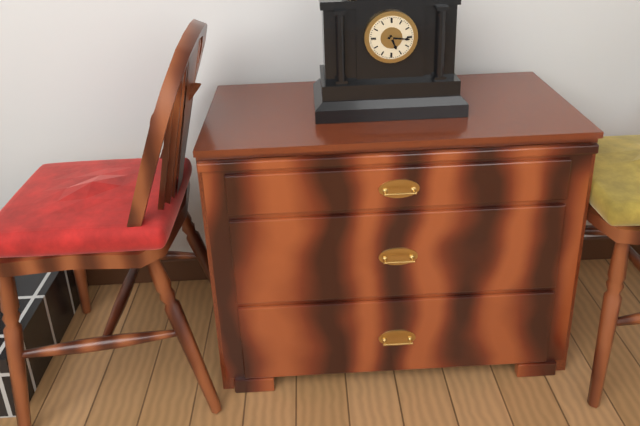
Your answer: **5:16**
